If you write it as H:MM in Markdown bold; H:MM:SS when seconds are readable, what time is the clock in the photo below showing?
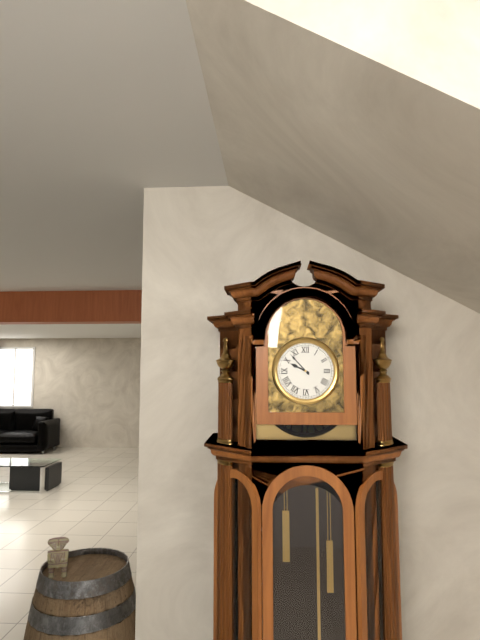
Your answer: **9:53**
